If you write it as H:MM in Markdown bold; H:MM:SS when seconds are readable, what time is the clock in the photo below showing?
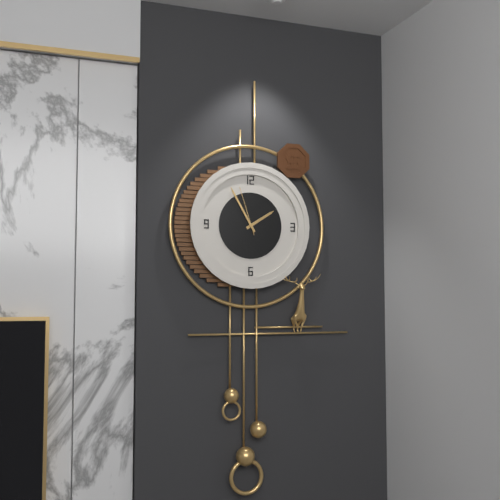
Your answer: **1:55:57**
